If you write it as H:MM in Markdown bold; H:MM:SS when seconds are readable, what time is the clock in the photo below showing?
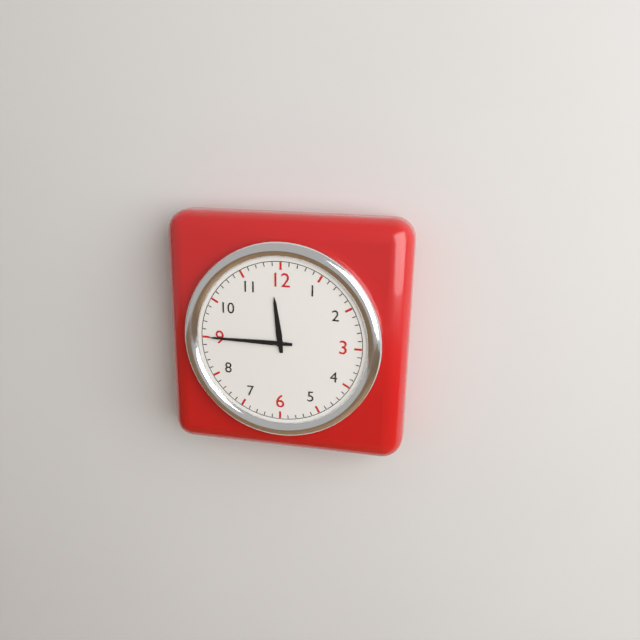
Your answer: **11:45**
